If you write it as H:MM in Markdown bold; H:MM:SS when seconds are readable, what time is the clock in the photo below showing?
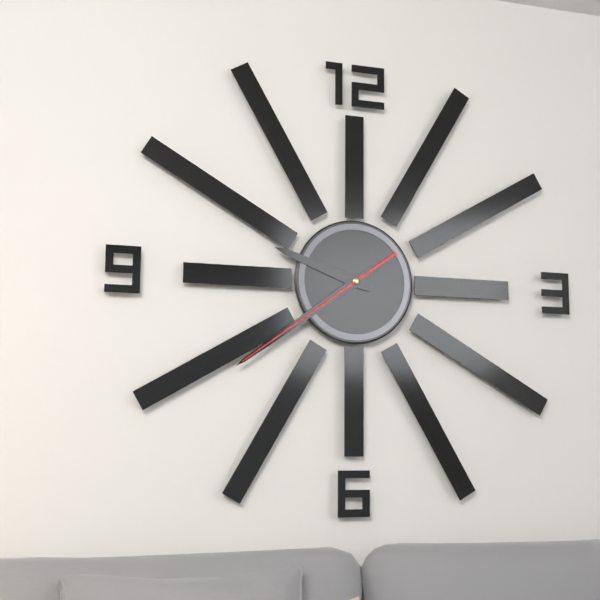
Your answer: **9:39:39**
